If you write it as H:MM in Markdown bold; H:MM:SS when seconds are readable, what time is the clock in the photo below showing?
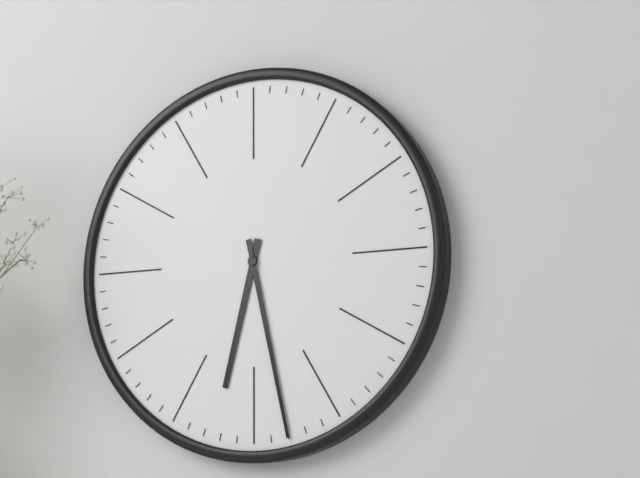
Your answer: **6:28**
